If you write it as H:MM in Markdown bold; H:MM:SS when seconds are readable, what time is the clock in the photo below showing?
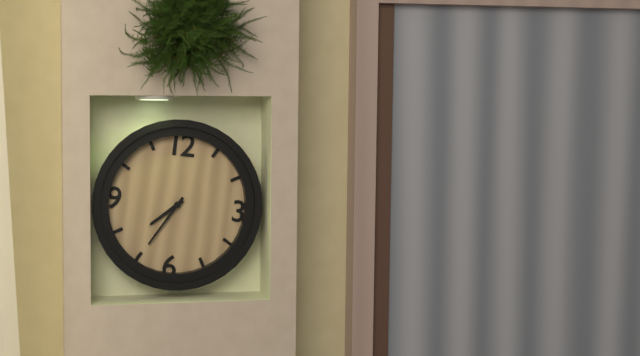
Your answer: **7:35**
